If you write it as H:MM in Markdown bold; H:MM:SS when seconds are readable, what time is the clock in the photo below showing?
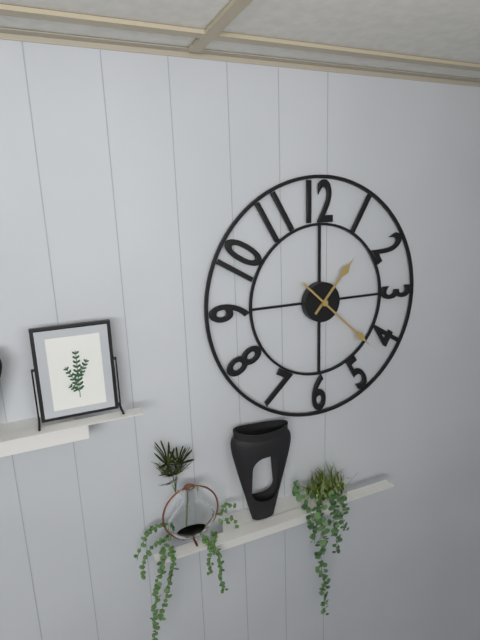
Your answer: **1:22**
